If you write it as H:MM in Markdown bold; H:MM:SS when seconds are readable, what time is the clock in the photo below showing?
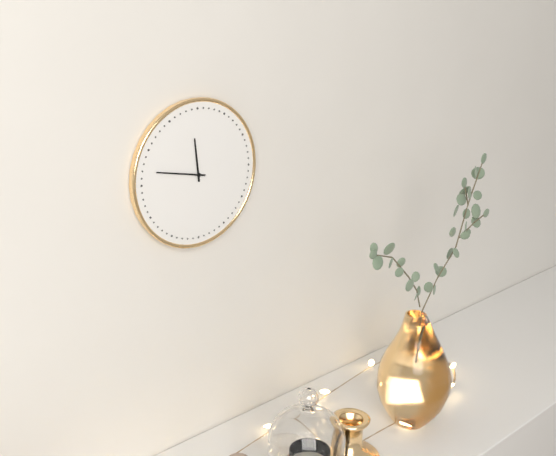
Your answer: **11:47**
